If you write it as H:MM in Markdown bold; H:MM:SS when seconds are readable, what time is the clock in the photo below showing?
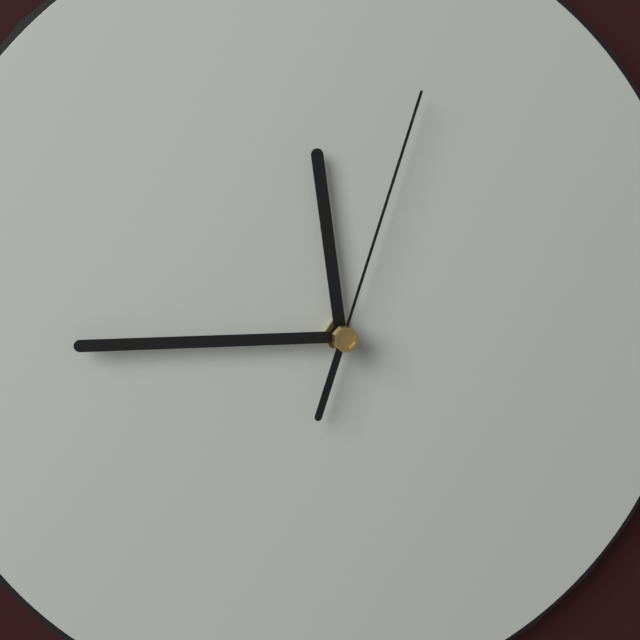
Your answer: **11:45:03**
